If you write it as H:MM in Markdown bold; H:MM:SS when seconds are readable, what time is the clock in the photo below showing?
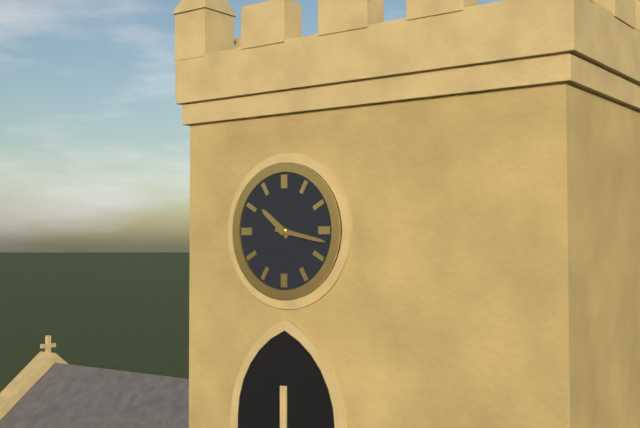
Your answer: **10:17**
